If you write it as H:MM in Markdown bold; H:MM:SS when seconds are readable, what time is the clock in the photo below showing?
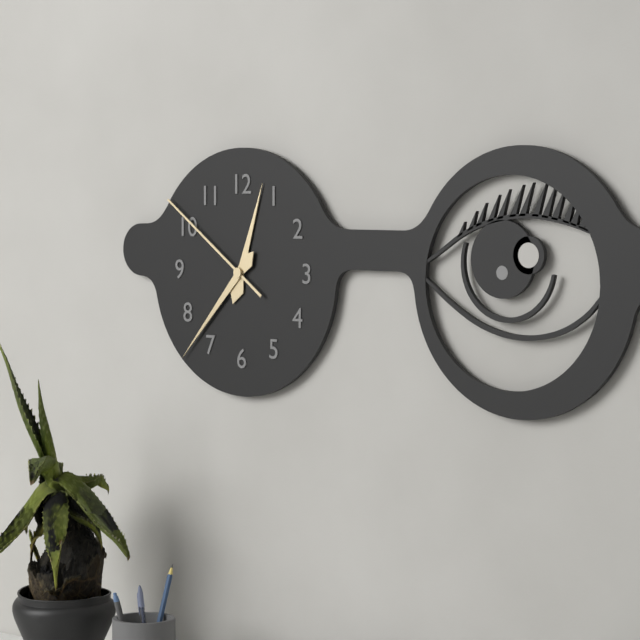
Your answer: **12:37:51**
